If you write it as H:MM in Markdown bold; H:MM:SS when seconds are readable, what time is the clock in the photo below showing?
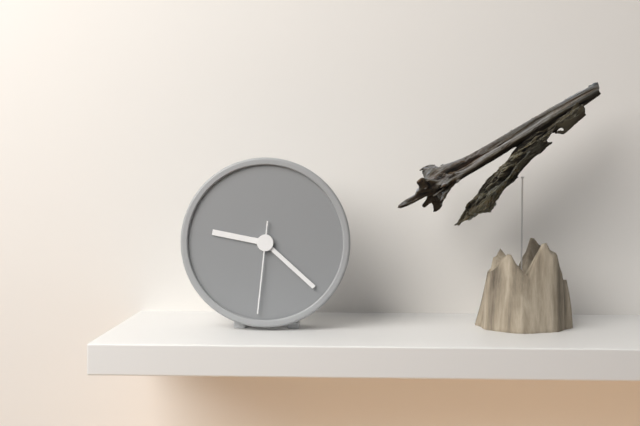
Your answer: **9:22:31**
